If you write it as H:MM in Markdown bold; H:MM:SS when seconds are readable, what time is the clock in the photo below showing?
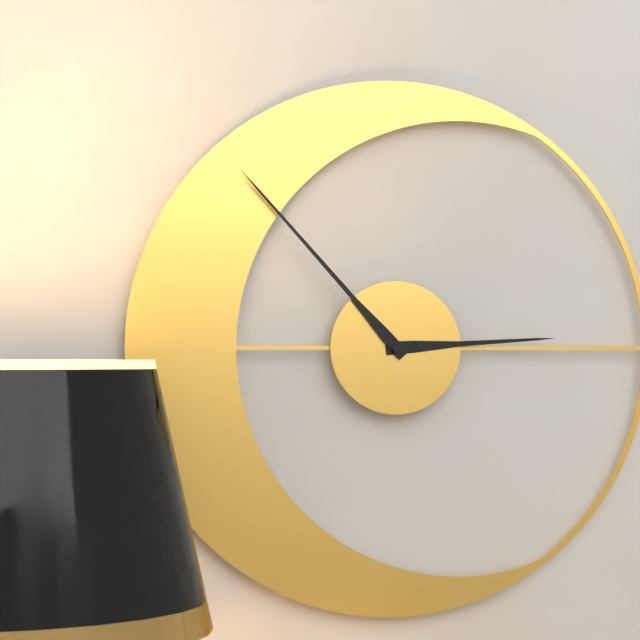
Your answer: **2:53**
